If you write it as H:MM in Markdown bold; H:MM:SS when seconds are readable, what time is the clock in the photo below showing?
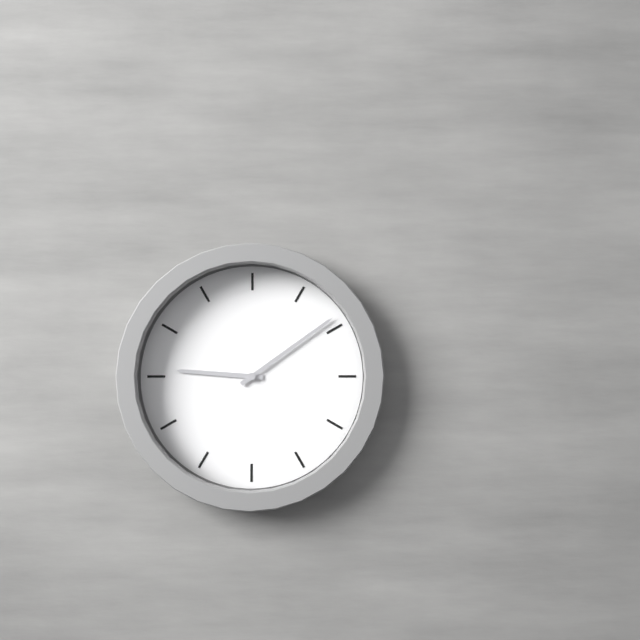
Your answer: **9:09**
